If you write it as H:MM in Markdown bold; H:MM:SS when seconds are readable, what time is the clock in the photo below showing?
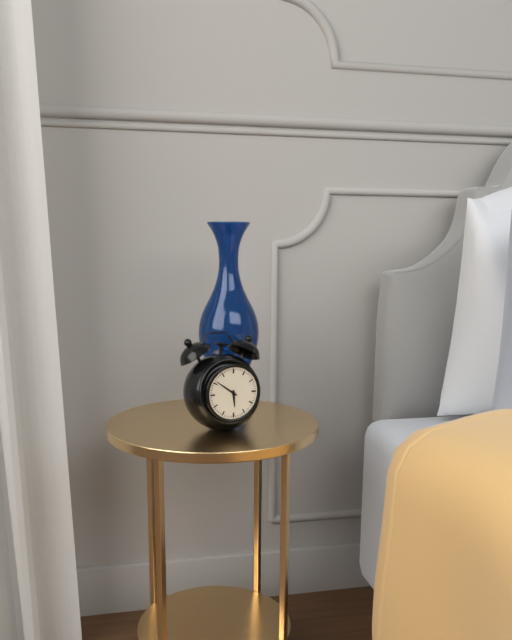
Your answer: **5:51**
